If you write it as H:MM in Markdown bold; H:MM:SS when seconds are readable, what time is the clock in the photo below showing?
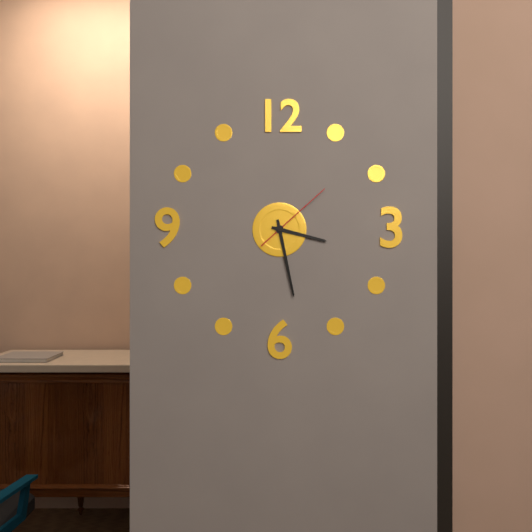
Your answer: **3:28:08**
